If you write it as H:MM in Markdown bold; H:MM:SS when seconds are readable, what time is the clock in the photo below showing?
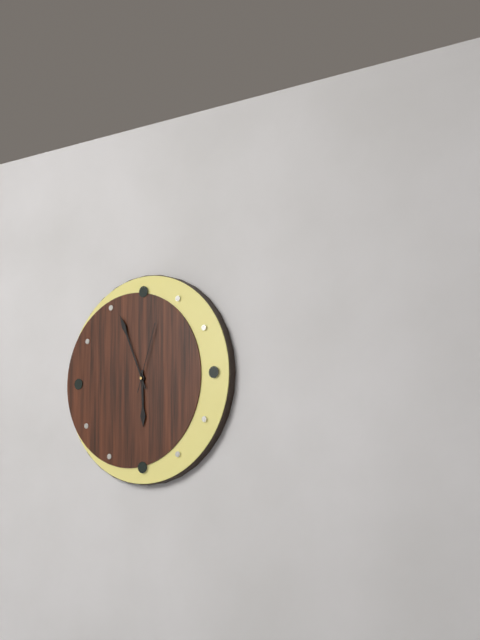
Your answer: **5:56:03**
